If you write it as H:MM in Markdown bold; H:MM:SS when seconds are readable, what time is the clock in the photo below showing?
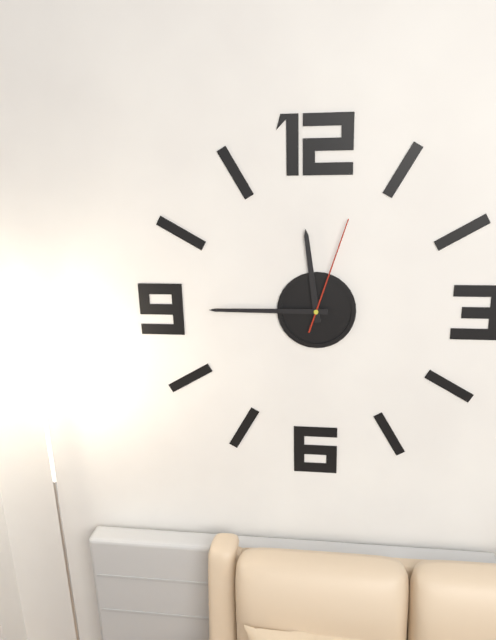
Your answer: **11:45:03**
